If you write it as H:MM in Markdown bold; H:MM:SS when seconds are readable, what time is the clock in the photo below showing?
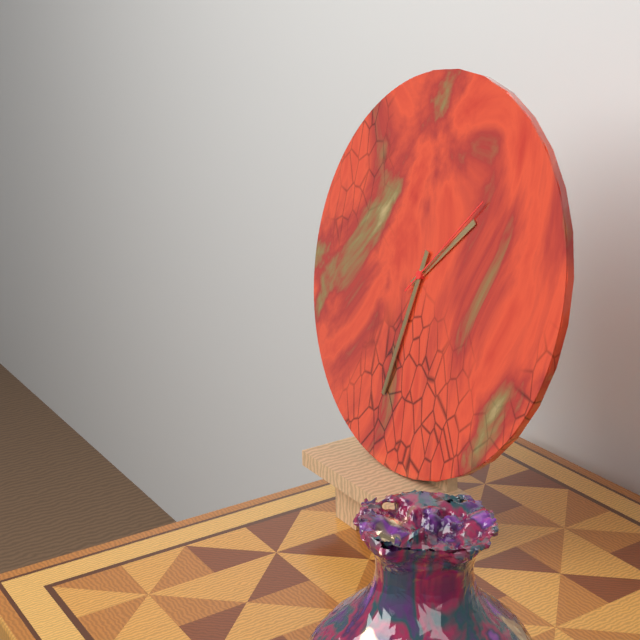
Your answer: **1:32:07**
